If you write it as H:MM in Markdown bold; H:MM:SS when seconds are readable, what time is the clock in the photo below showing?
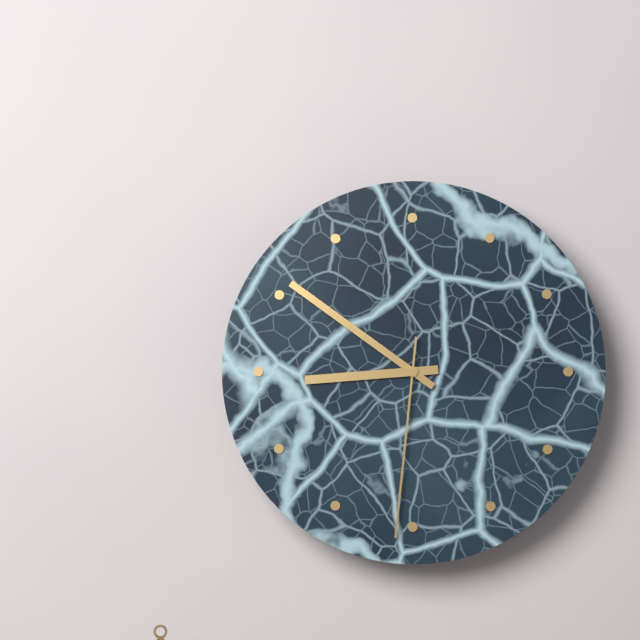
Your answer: **8:51:31**
